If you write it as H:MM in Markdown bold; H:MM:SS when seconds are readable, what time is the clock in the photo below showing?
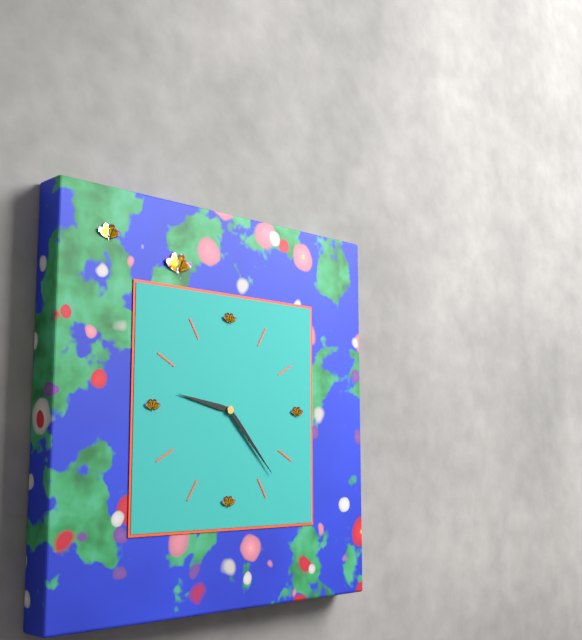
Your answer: **9:23**
